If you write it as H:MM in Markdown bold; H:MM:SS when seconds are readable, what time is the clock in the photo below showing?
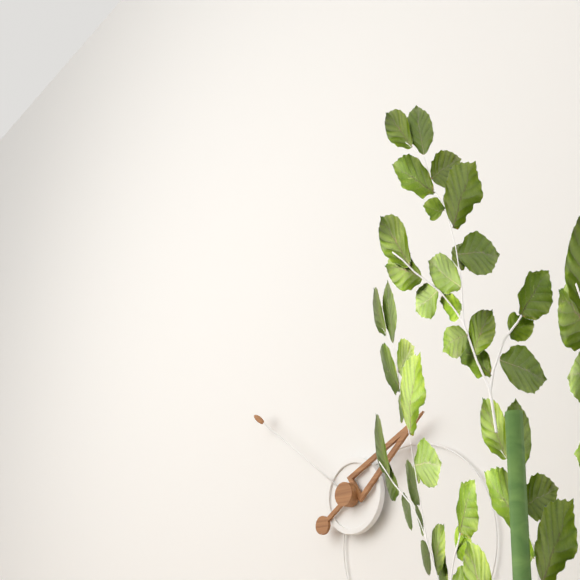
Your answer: **1:51**
